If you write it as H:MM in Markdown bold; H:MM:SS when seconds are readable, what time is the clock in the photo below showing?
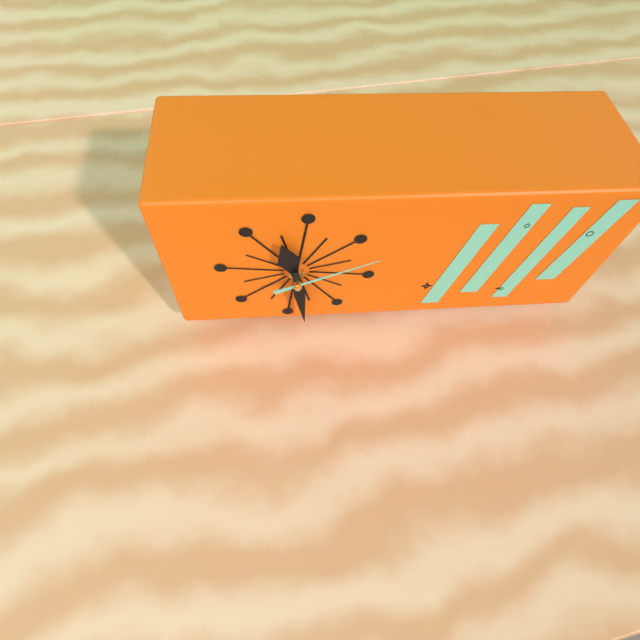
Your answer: **11:29:11**
